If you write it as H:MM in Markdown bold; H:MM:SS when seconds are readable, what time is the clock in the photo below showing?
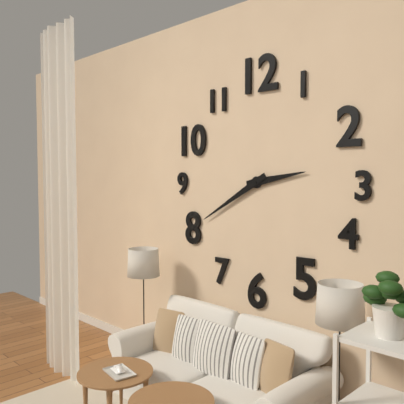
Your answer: **2:40**
